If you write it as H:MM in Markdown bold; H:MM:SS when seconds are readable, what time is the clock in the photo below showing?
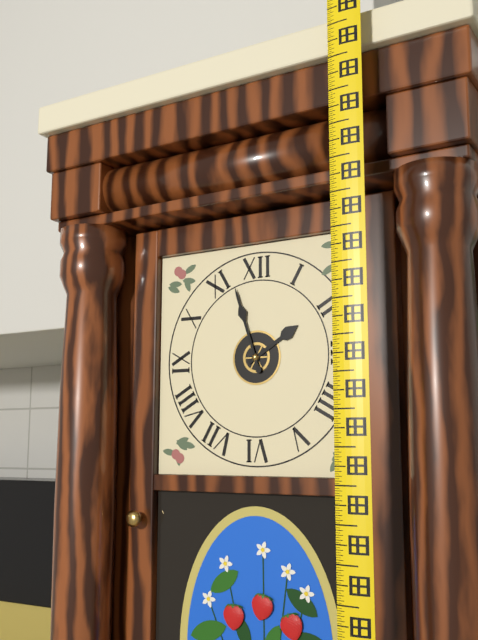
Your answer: **1:57**
